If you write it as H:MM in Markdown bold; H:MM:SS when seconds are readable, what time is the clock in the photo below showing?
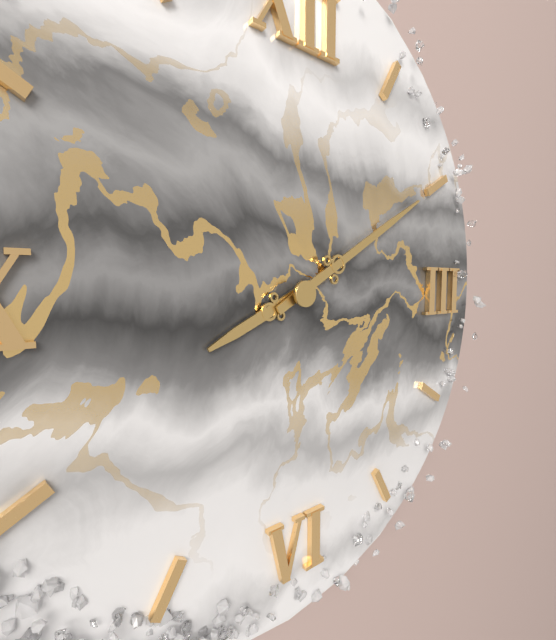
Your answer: **8:10**
